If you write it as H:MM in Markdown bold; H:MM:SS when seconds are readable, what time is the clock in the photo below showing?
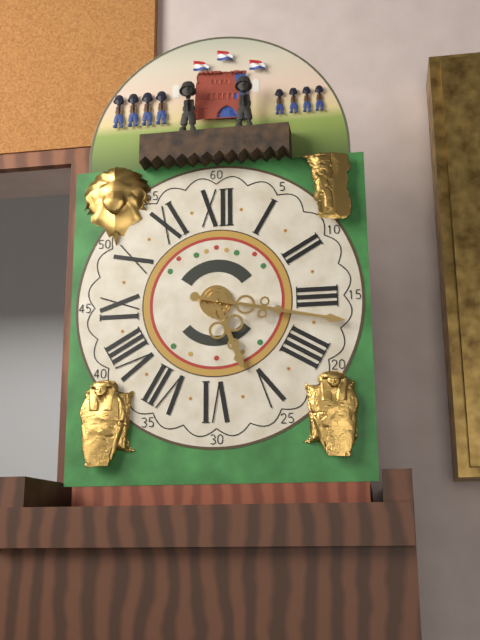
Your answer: **5:17**
